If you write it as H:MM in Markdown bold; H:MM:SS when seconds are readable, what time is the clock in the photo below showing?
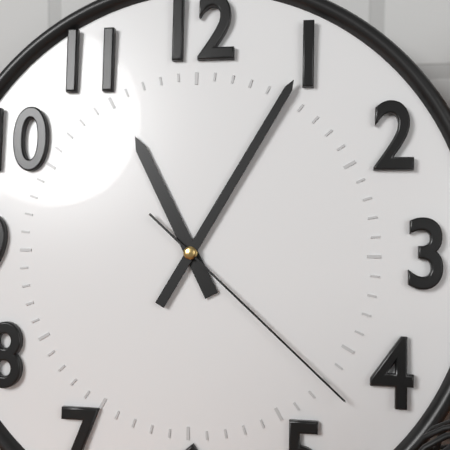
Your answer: **11:05:22**
